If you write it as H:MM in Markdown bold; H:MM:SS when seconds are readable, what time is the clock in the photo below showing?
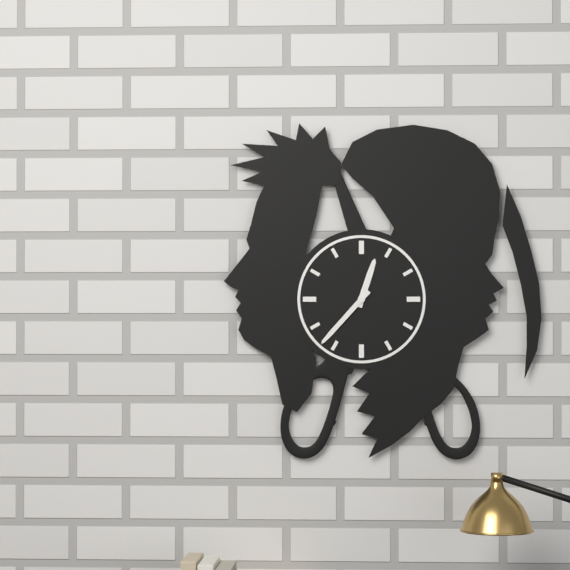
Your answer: **12:37**
